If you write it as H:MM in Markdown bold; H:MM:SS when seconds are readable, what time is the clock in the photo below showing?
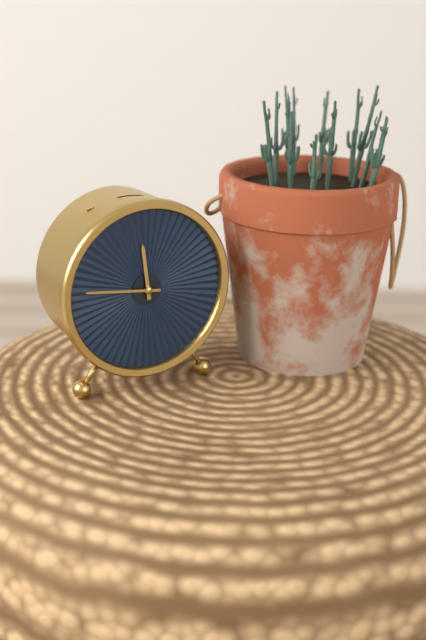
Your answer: **11:46**
